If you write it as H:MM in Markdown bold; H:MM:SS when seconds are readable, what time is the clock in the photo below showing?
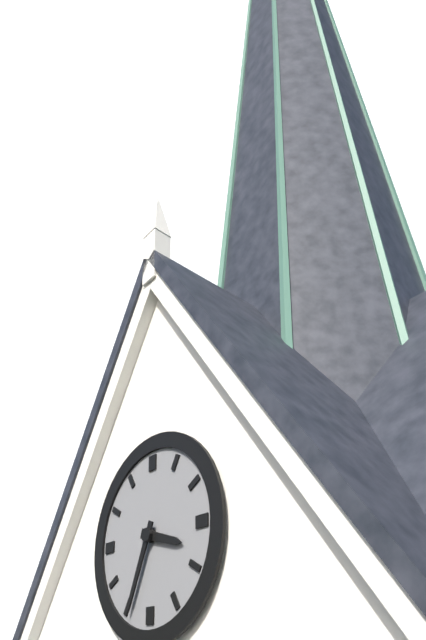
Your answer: **3:34**
